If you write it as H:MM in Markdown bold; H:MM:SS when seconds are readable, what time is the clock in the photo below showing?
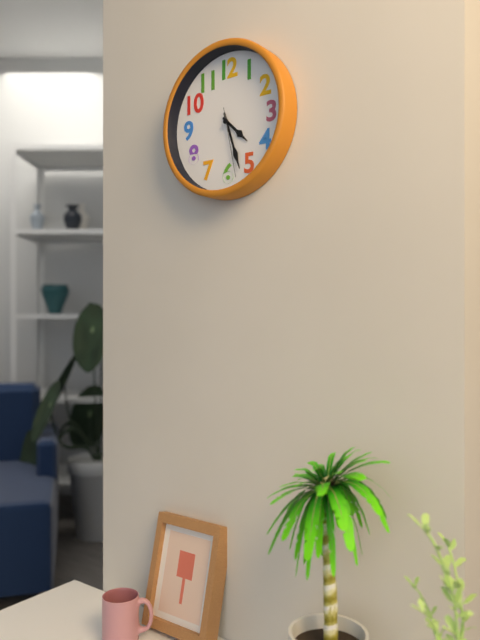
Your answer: **4:27:28**
